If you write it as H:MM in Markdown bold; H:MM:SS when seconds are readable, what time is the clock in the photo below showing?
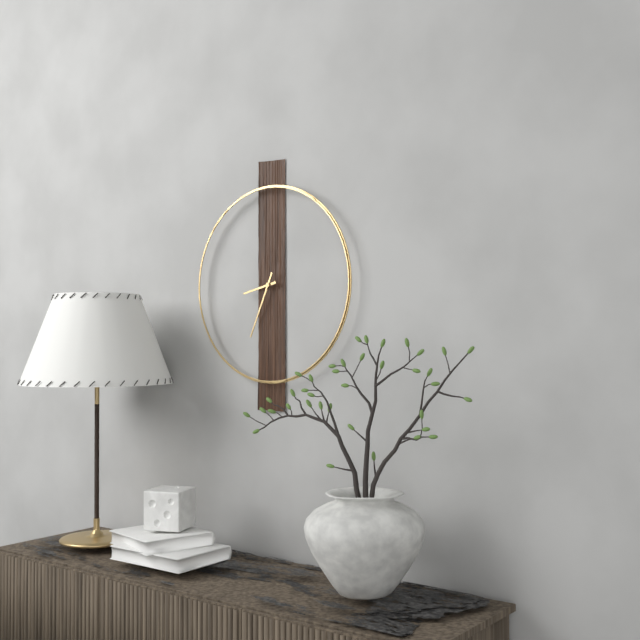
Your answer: **8:34**
